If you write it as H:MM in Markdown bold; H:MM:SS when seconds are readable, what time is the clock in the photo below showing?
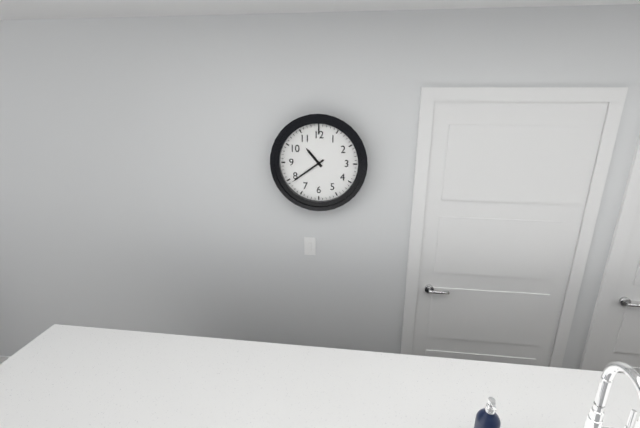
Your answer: **10:39**
